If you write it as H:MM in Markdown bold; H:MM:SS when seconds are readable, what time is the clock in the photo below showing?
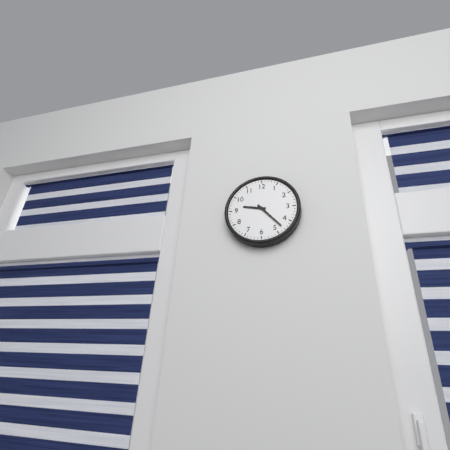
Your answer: **9:23**
